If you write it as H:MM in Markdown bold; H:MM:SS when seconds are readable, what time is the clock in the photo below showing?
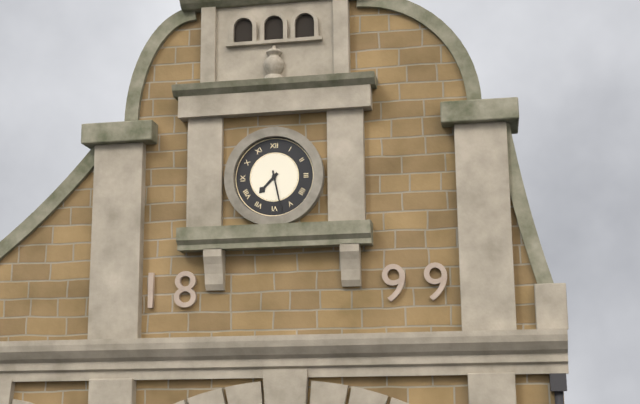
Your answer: **7:28**
